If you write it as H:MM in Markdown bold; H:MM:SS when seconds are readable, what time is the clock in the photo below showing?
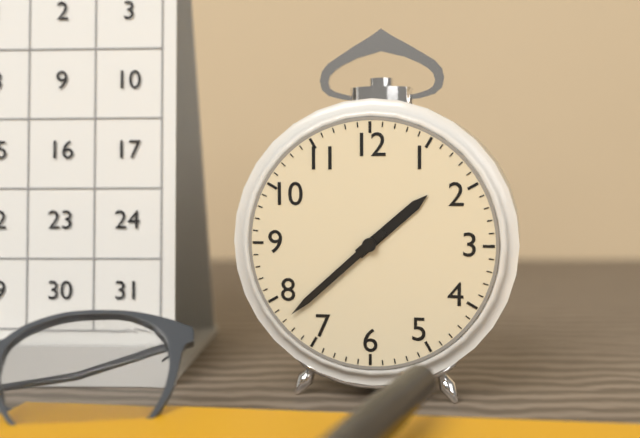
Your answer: **1:38**
